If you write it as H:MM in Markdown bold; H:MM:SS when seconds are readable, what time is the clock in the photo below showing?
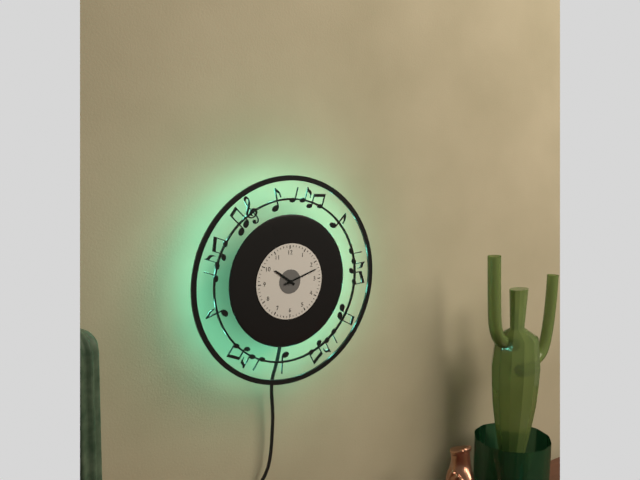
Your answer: **10:12**
